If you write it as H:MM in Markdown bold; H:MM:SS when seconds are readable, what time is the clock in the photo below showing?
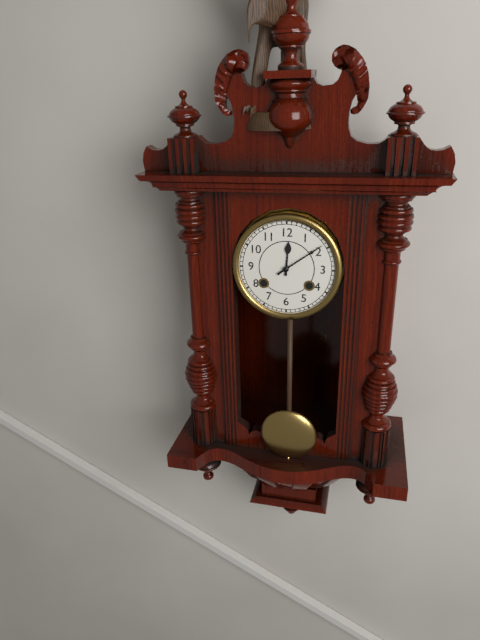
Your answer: **12:09**
